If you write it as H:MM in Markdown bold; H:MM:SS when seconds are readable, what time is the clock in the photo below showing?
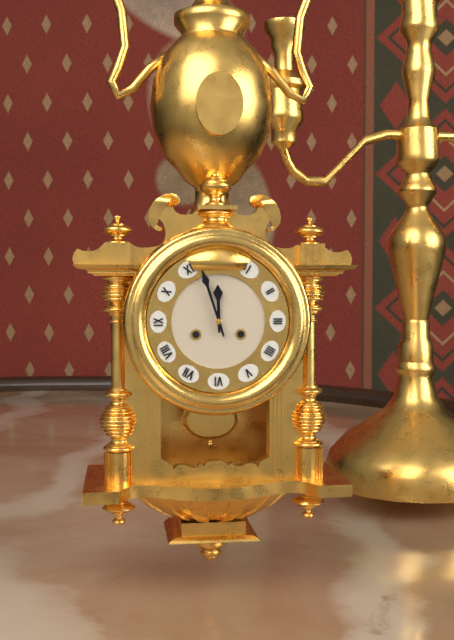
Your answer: **11:57**
